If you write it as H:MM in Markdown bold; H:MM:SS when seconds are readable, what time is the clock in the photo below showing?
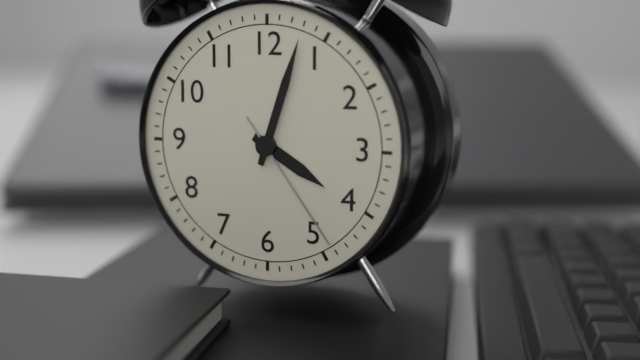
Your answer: **4:03:24**
